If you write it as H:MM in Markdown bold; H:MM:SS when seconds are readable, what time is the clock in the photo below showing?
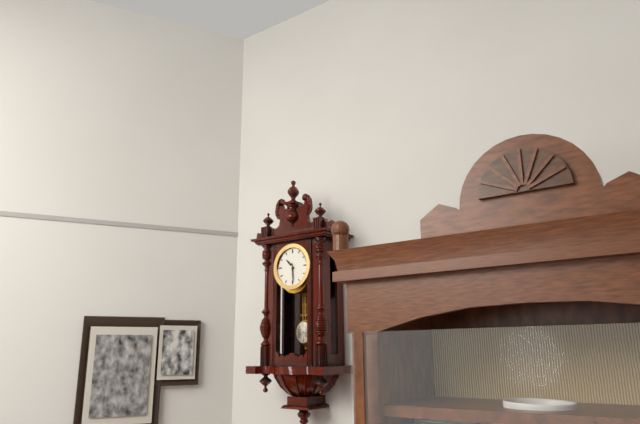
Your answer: **10:29**
